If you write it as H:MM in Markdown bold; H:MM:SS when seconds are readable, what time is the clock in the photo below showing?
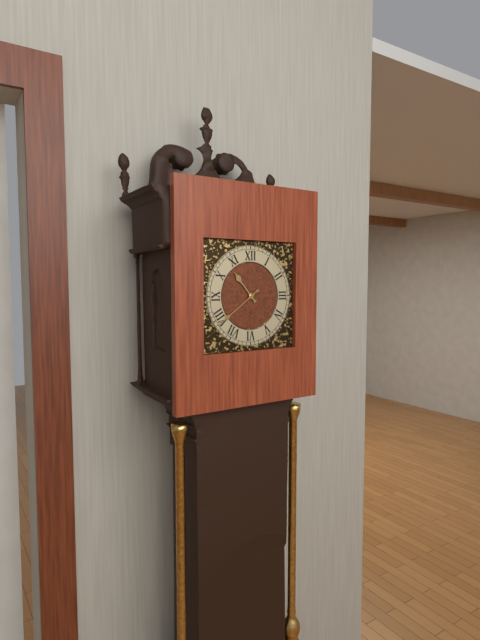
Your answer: **10:39**
